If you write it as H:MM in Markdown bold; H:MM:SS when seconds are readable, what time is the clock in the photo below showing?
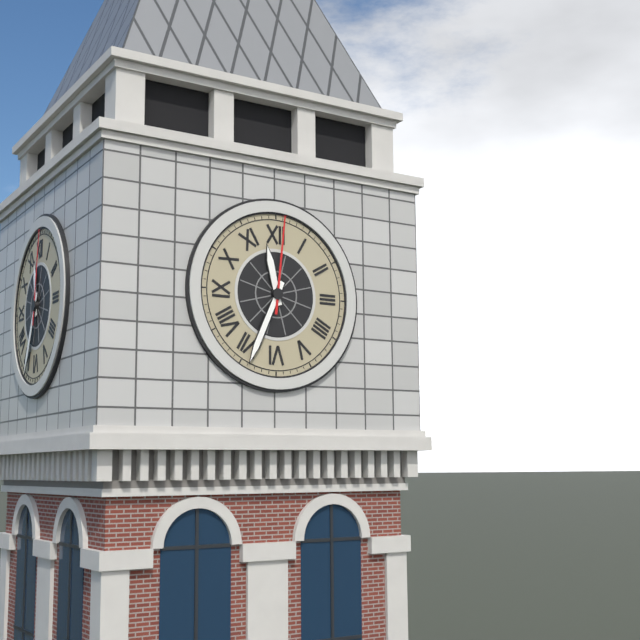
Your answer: **11:34:01**
